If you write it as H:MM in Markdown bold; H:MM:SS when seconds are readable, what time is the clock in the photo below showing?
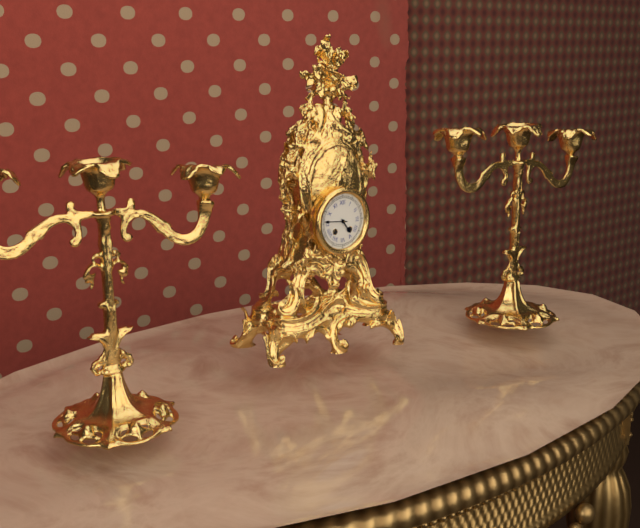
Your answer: **4:46**
